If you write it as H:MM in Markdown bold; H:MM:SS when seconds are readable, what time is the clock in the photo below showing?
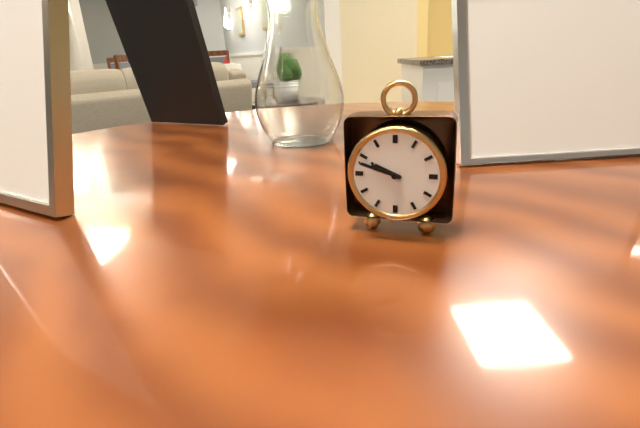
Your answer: **9:48**
